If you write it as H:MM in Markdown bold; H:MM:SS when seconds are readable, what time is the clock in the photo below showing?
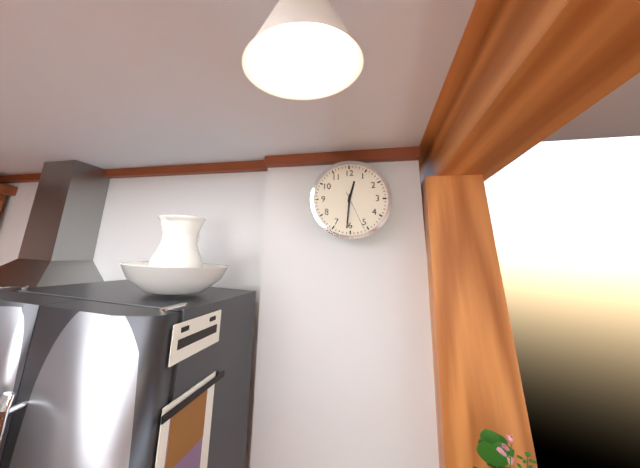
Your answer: **12:31**
